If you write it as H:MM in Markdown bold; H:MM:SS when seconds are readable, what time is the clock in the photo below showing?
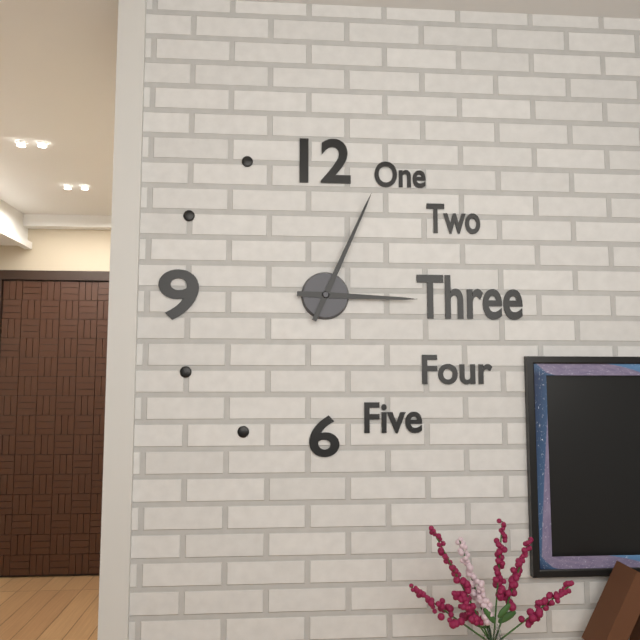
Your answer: **3:04**
